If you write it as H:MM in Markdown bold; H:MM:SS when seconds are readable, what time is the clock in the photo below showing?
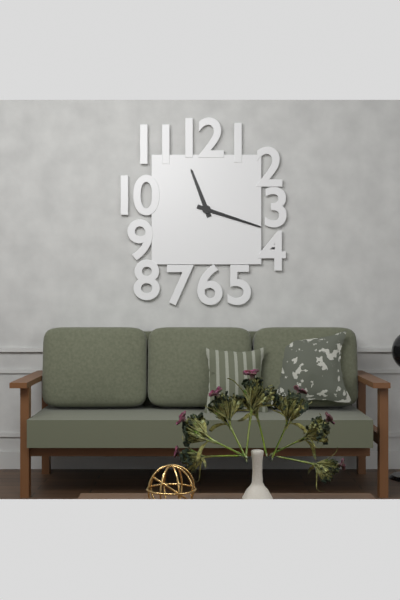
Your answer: **11:18**
